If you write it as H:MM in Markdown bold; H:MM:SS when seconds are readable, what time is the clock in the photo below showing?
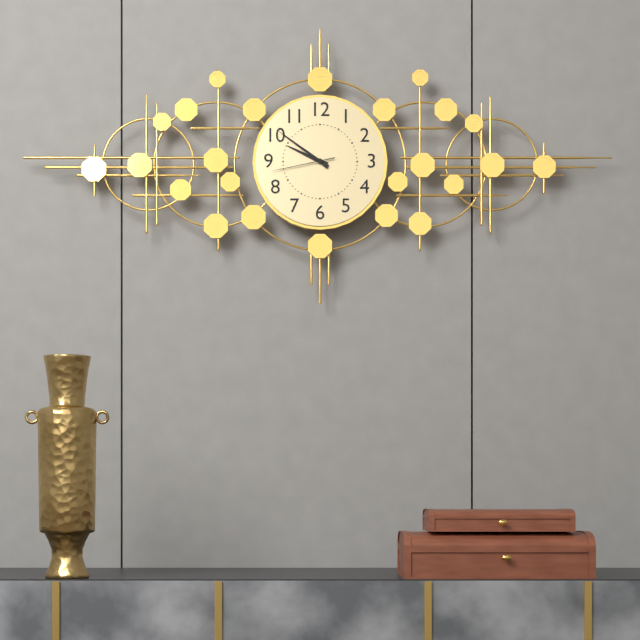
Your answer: **9:51:43**
